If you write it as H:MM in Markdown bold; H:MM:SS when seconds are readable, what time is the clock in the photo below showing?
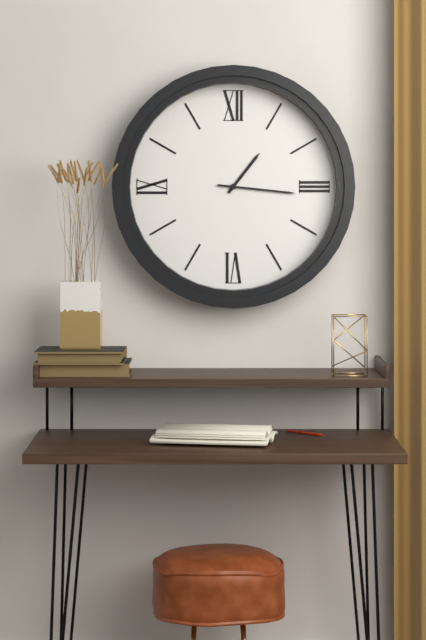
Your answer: **1:16**
